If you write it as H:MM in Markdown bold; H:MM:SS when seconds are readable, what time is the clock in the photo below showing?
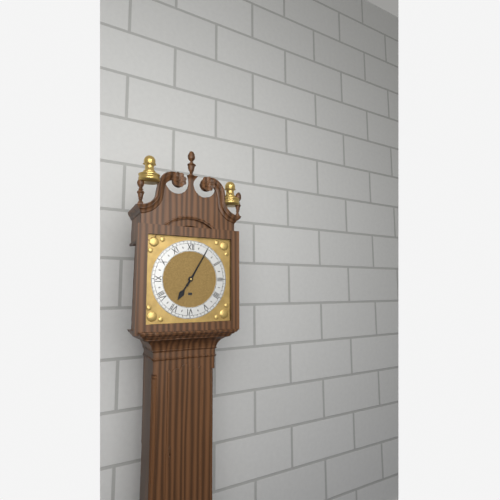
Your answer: **7:05**
